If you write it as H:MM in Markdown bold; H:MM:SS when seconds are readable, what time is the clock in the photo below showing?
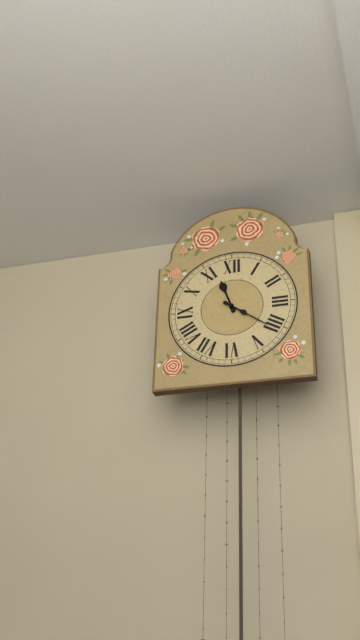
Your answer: **11:21**
